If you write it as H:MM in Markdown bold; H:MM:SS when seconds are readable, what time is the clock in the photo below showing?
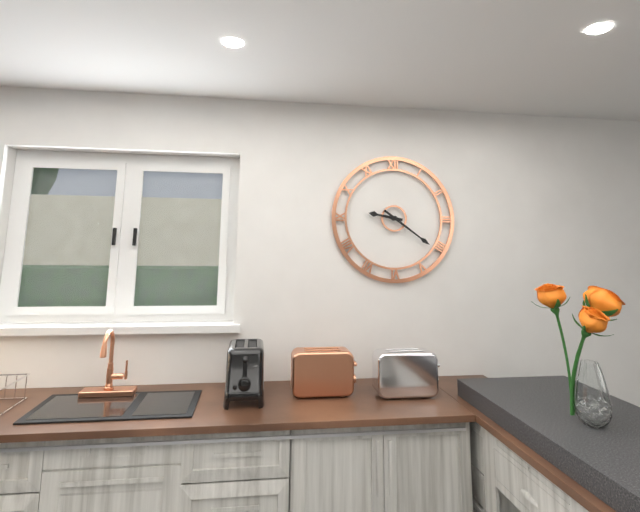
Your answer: **9:21**
